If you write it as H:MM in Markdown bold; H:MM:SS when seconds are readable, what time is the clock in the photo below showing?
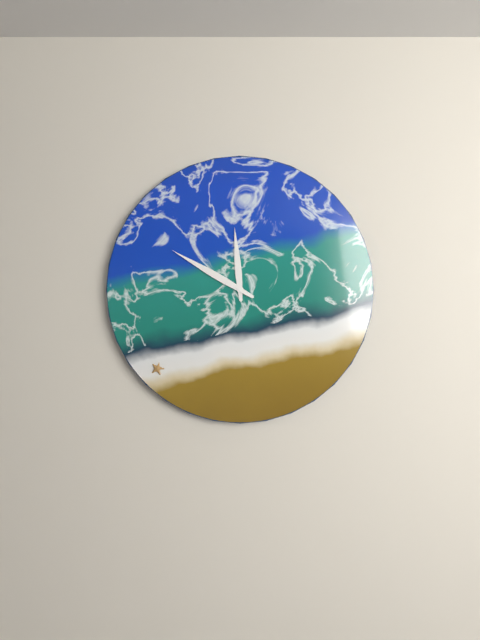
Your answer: **11:50**
